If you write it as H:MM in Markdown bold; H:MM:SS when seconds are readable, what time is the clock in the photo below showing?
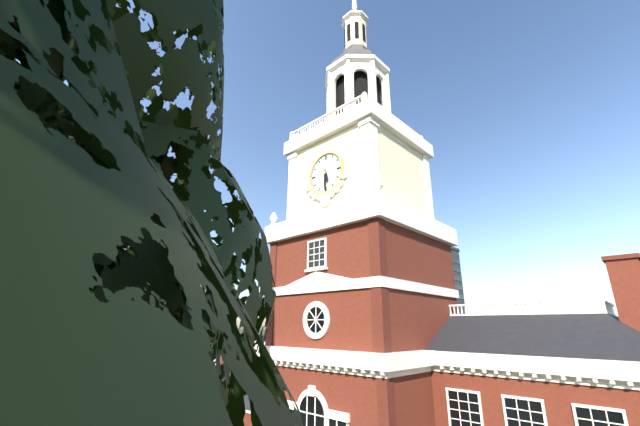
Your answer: **5:30**
